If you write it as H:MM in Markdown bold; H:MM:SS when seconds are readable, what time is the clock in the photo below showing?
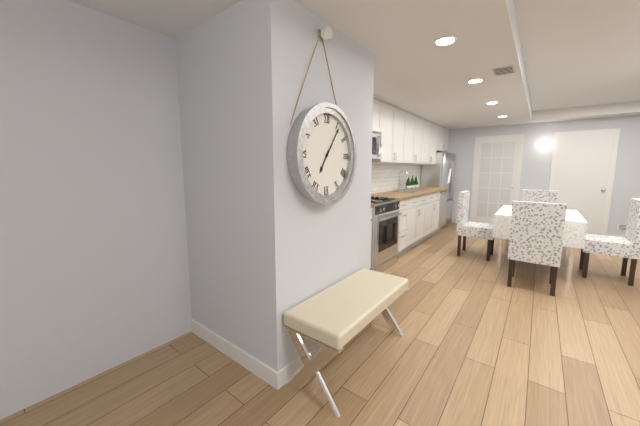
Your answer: **7:06**
